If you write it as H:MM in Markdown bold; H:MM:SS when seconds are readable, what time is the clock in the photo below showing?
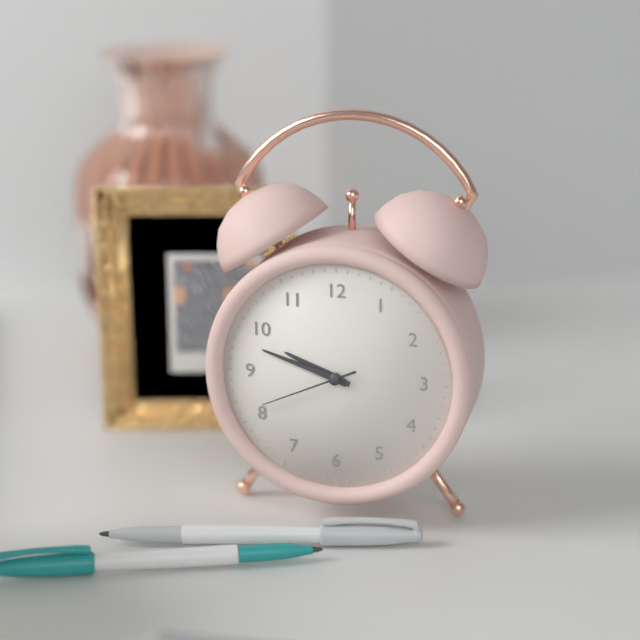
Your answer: **9:48:41**
